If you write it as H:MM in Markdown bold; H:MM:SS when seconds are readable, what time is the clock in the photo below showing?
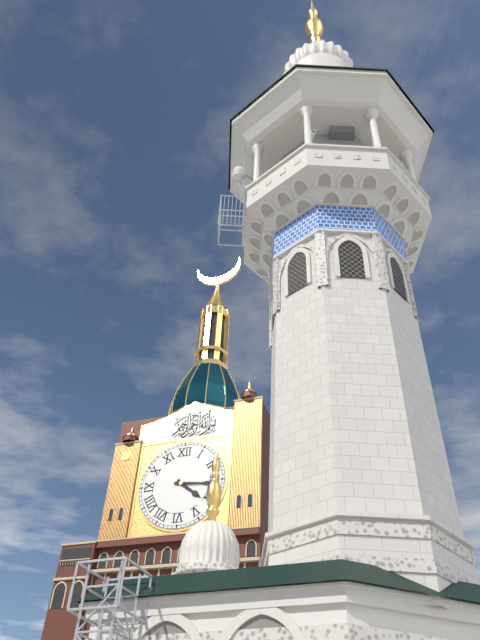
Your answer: **4:16**
